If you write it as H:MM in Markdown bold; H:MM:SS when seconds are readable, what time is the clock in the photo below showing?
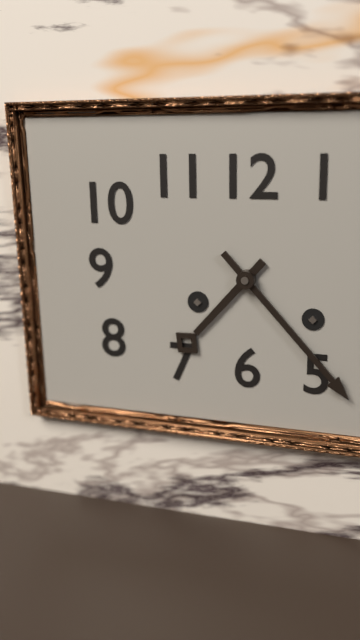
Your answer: **7:23**
